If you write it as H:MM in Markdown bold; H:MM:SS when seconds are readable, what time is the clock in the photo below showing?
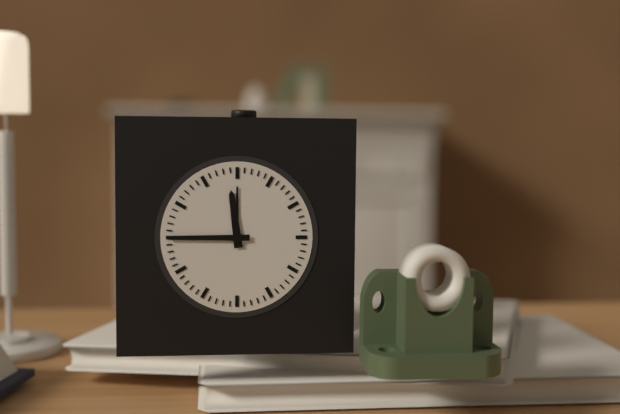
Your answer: **11:45**
